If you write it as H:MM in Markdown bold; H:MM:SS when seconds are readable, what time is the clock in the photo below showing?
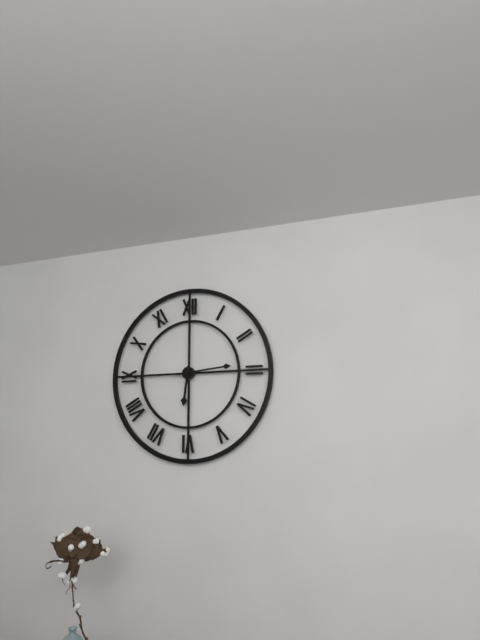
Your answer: **6:14**
